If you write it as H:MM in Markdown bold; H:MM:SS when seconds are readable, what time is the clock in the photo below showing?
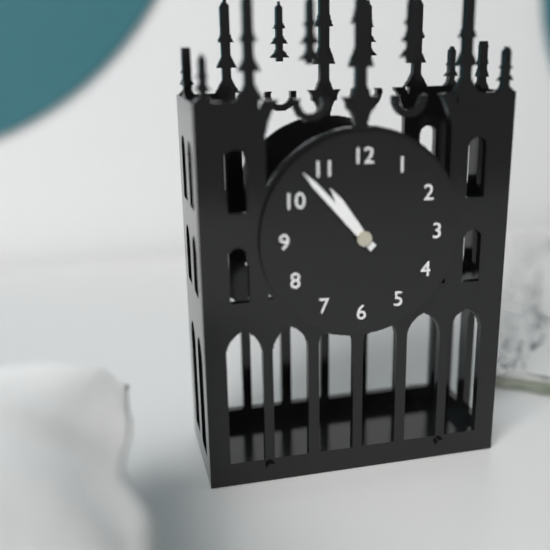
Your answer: **10:53**
